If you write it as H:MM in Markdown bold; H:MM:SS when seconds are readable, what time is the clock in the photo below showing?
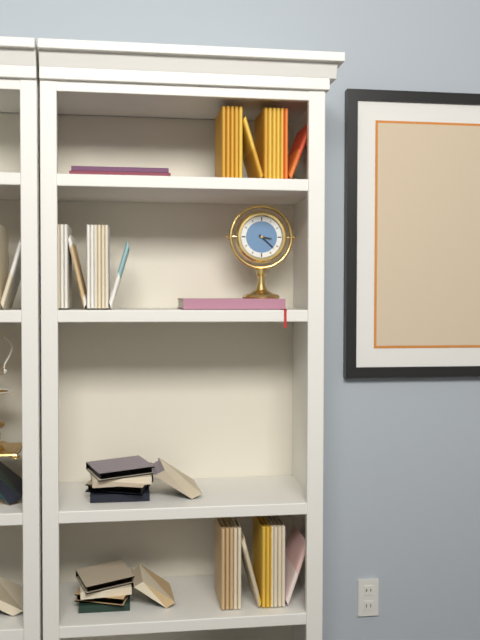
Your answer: **3:22**
